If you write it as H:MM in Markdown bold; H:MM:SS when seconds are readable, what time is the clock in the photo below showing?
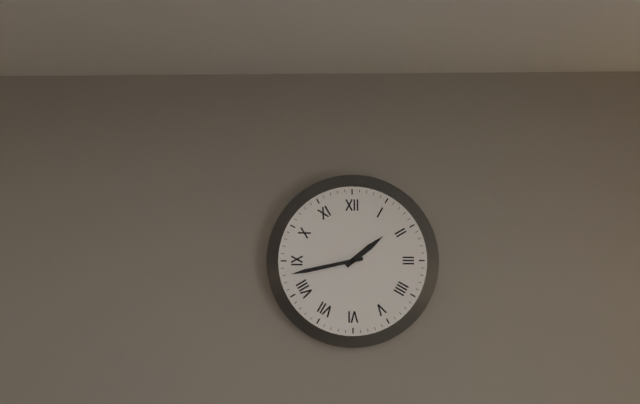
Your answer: **1:43**
